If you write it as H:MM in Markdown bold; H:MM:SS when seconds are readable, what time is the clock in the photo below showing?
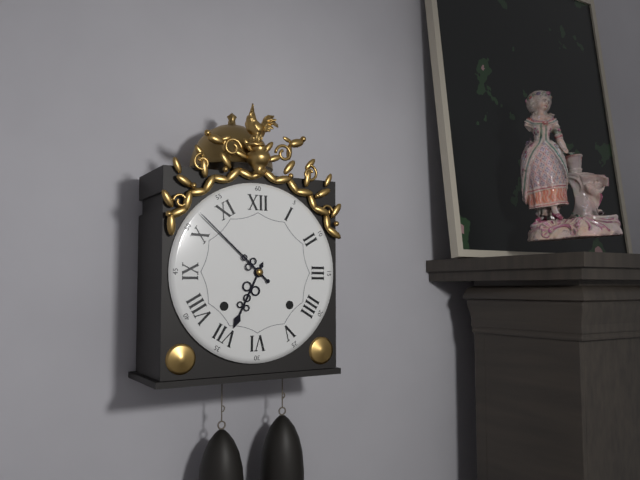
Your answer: **6:52**
